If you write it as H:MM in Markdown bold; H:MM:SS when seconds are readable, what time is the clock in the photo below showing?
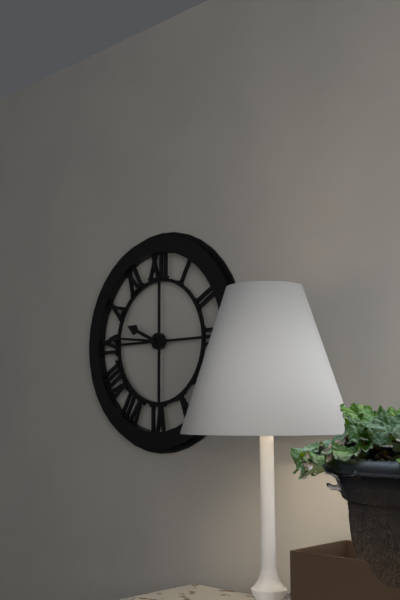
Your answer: **9:46**
